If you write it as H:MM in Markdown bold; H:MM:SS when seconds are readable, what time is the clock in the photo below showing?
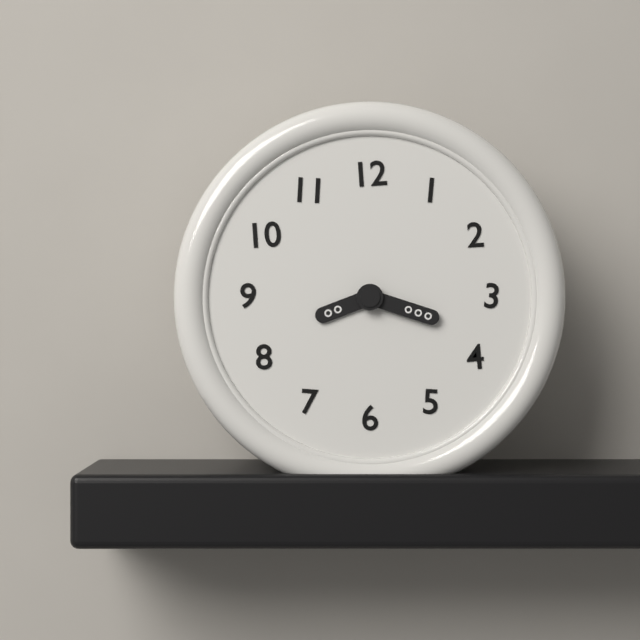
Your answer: **8:18**
